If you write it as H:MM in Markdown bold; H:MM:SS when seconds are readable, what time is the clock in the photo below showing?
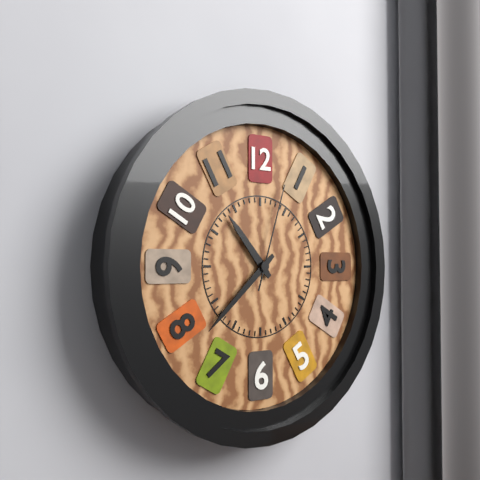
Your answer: **10:38:03**
